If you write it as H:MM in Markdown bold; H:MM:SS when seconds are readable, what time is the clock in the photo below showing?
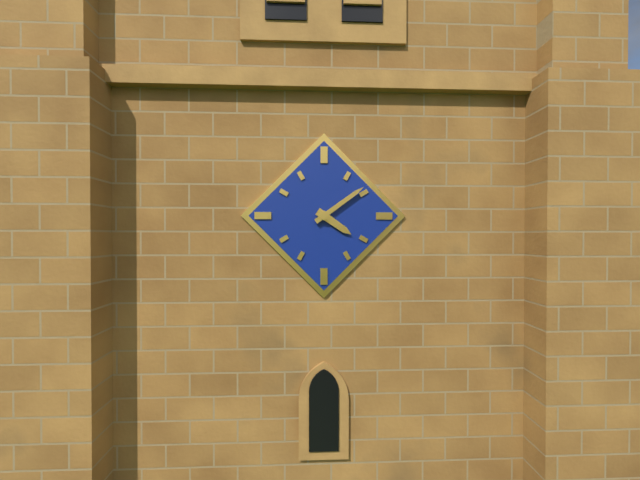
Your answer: **4:09**
